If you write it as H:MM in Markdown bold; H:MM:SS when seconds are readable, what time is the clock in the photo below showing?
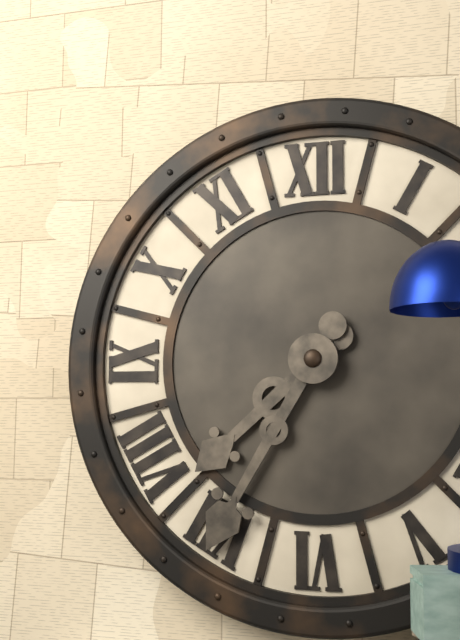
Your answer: **7:35**
